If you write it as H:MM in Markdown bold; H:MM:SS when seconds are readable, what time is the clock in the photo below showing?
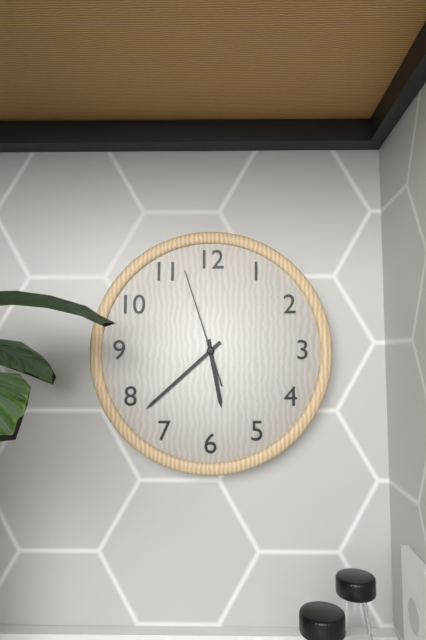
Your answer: **5:38:57**
